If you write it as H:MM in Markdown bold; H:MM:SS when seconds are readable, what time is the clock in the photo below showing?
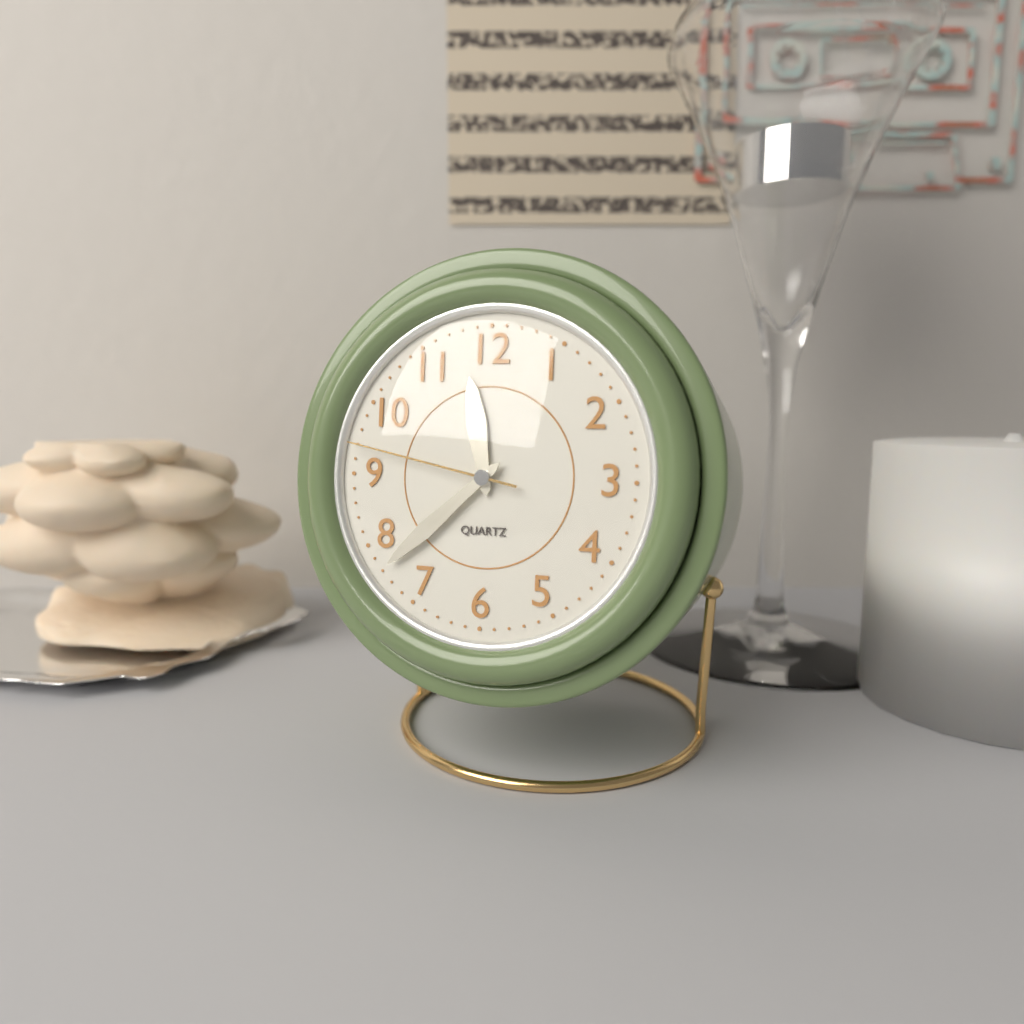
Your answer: **11:38:47**
